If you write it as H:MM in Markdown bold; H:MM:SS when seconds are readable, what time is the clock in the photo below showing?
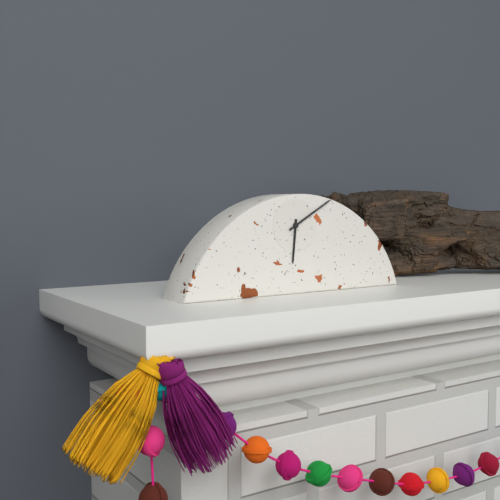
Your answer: **6:10**
